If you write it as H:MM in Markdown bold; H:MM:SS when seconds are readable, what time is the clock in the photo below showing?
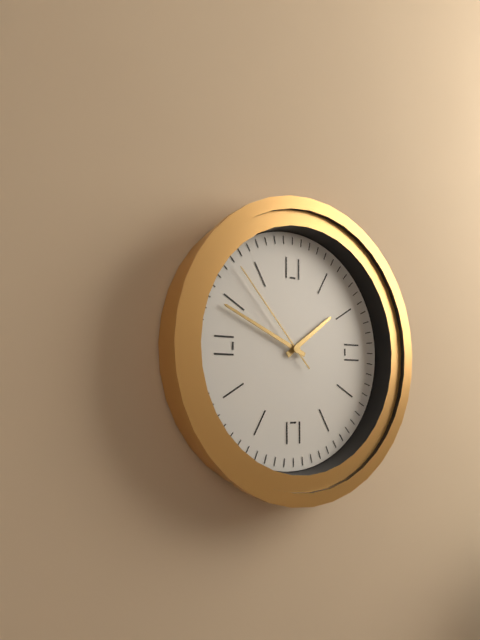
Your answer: **1:49:53**
